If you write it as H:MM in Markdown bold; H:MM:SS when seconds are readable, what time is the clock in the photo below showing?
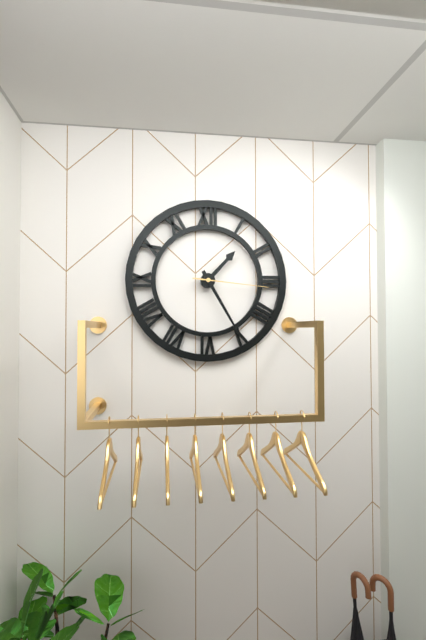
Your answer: **1:25:16**
